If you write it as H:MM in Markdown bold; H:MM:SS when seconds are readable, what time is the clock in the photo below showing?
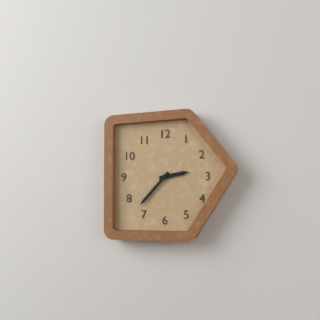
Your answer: **2:37**
